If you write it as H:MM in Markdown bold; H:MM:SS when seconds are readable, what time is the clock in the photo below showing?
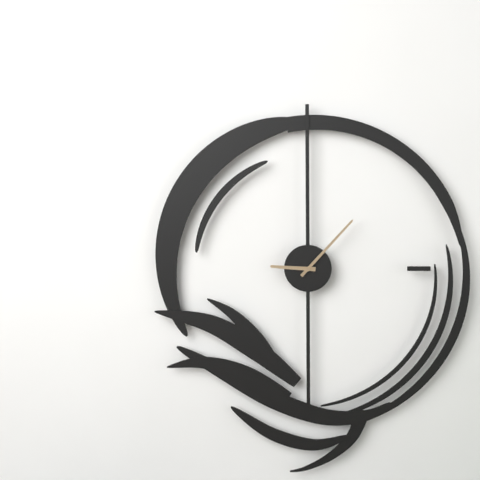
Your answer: **9:07**
